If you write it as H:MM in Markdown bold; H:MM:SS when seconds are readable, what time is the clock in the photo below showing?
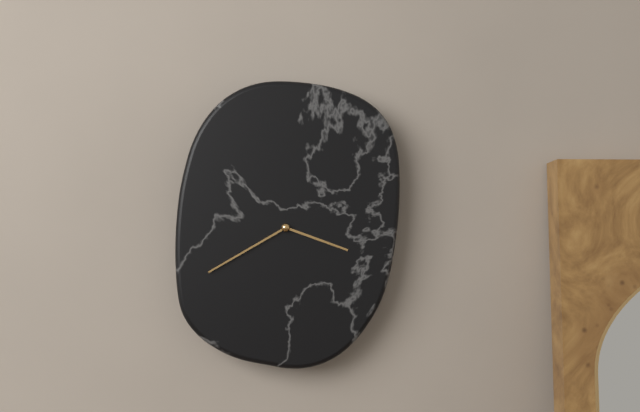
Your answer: **3:40**
